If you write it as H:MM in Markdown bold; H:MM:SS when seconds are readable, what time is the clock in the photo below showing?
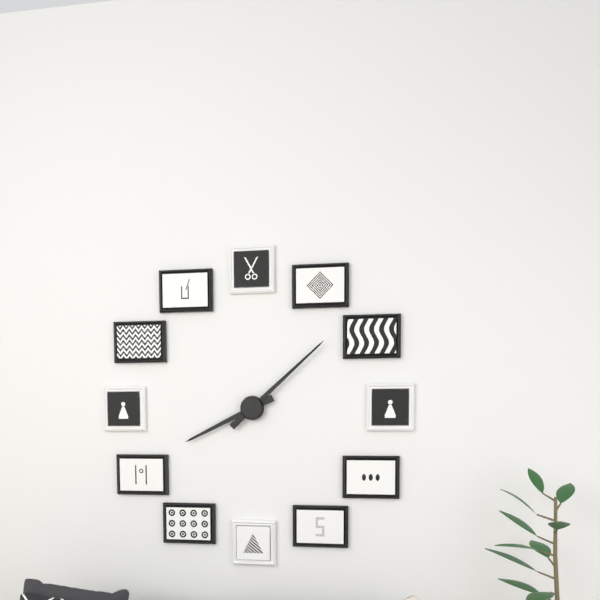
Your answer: **8:08**
